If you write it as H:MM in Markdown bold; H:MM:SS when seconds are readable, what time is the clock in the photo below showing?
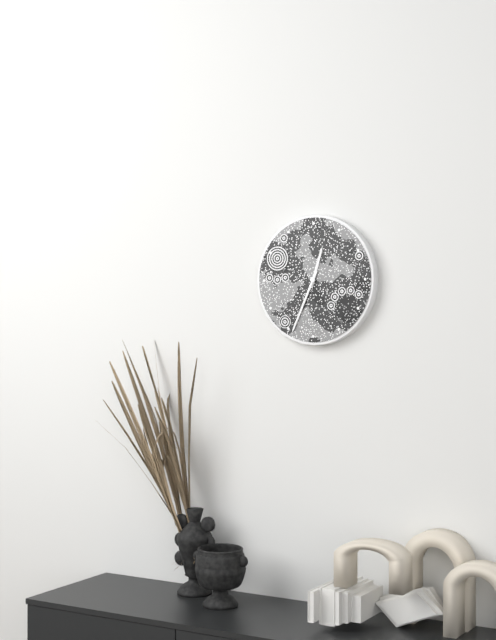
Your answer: **12:34**
